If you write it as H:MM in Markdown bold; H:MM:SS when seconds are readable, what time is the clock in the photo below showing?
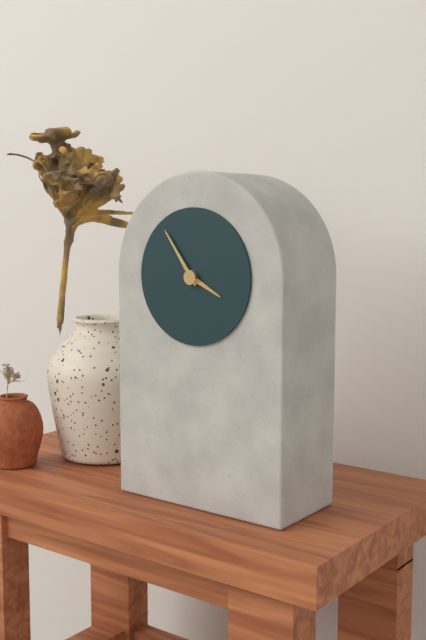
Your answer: **3:54**
